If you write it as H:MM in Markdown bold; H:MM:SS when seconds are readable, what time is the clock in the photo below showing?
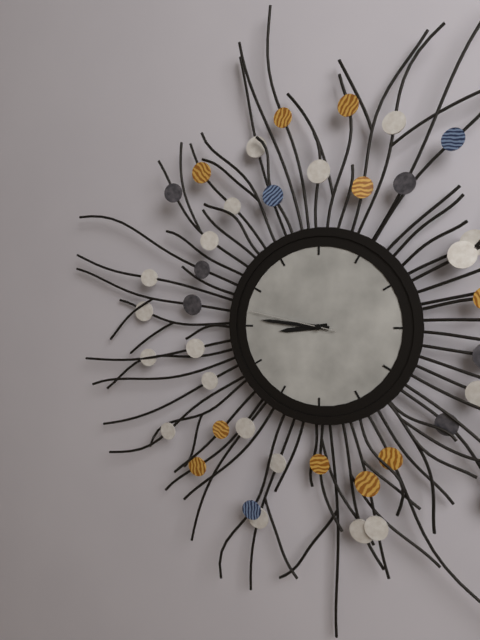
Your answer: **8:46:47**
